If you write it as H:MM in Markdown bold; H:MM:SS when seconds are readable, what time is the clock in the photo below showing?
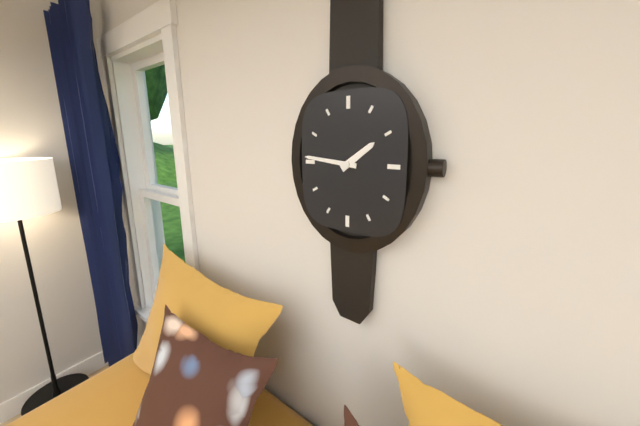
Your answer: **1:46**
